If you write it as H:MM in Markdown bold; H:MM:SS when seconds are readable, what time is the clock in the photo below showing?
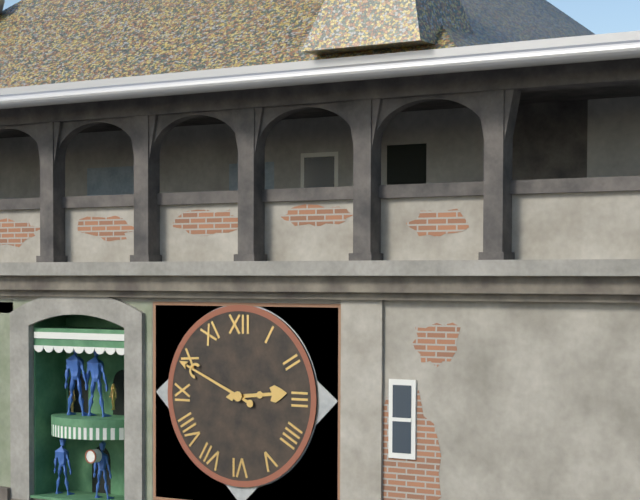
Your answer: **2:49**
